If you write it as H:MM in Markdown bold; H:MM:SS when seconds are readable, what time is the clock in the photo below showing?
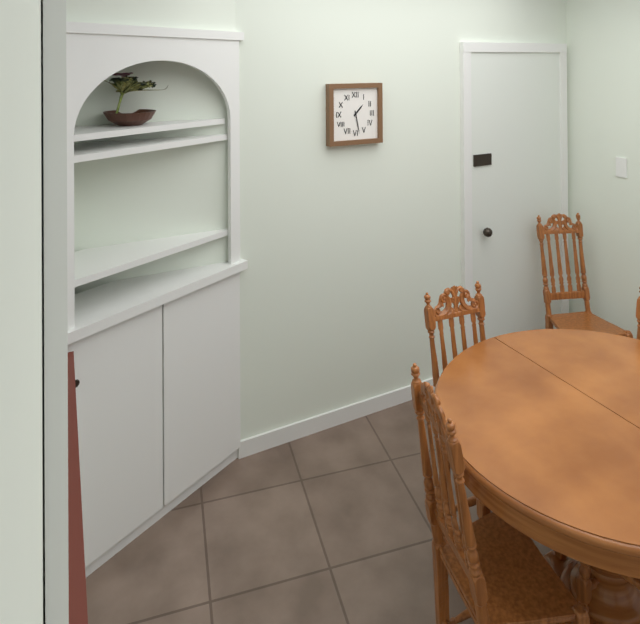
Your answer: **1:28**
